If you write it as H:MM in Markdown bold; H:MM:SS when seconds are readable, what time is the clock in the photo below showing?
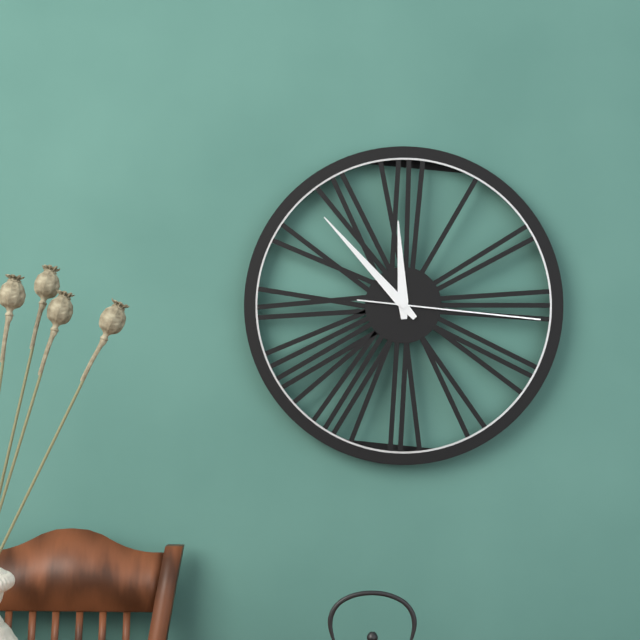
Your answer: **11:53:16**
